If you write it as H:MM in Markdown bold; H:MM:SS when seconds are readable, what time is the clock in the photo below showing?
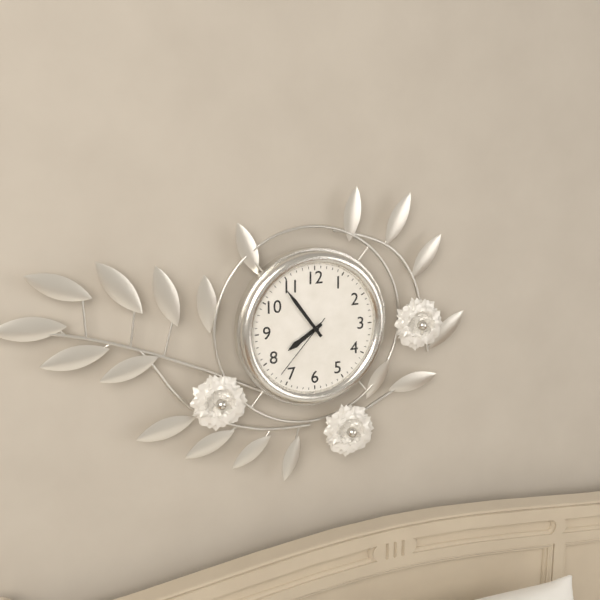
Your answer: **7:54:37**
